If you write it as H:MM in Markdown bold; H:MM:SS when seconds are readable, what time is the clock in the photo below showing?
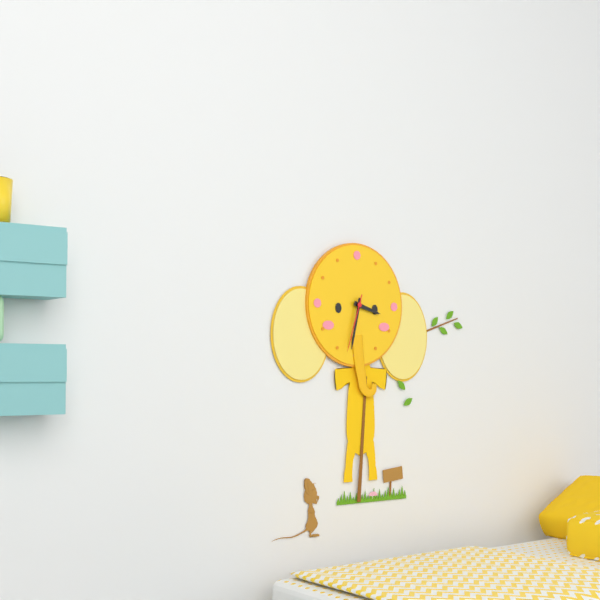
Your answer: **3:32:33**
